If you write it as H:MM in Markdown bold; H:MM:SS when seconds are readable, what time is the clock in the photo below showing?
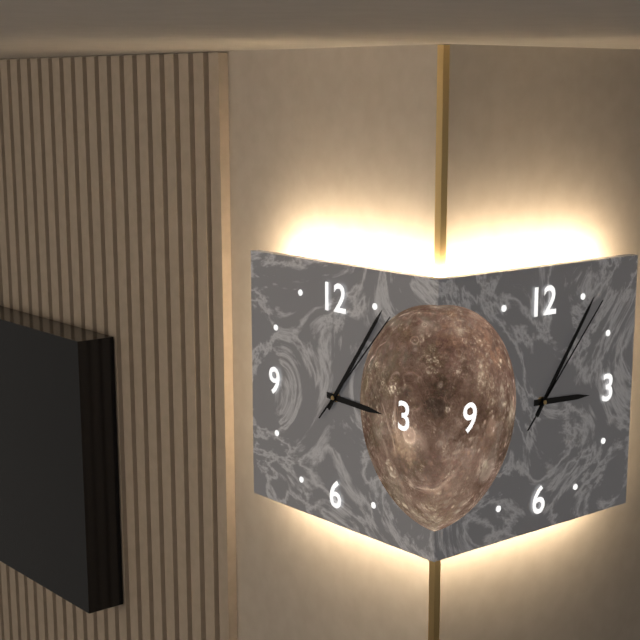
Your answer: **3:06:07**
